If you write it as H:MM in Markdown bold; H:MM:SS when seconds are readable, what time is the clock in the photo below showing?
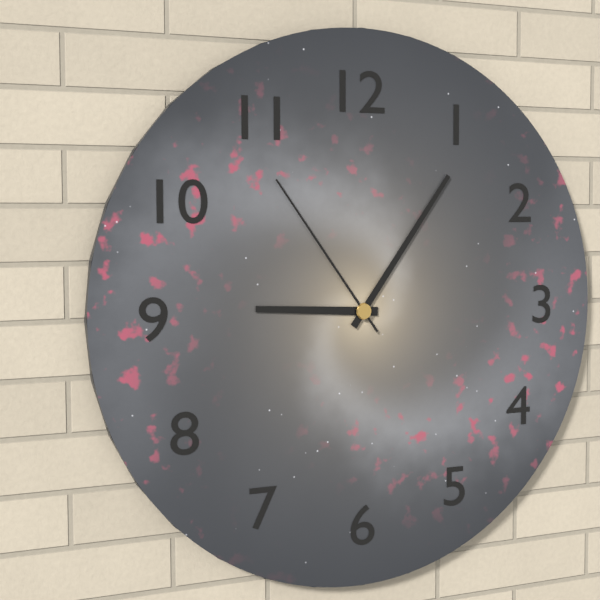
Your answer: **9:06:54**
